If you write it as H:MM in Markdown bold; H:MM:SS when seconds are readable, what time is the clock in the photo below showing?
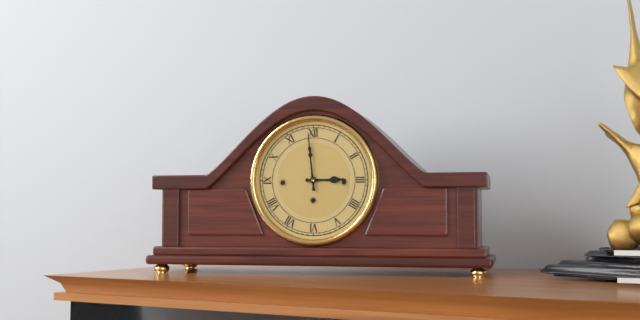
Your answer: **2:59**
